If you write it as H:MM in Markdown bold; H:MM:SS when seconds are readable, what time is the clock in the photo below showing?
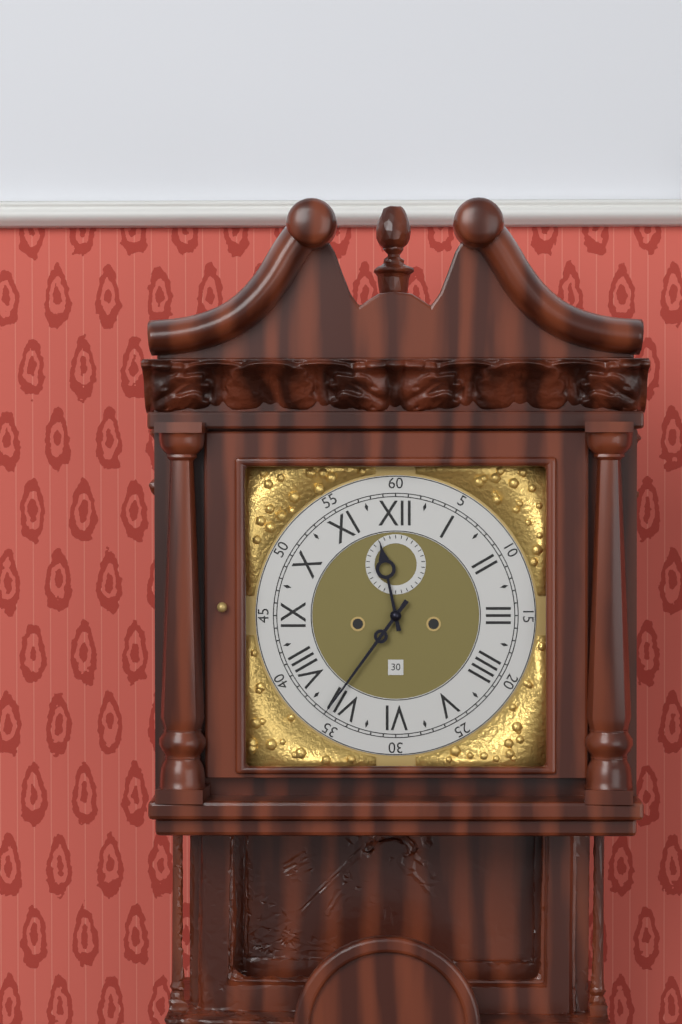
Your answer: **11:36**
